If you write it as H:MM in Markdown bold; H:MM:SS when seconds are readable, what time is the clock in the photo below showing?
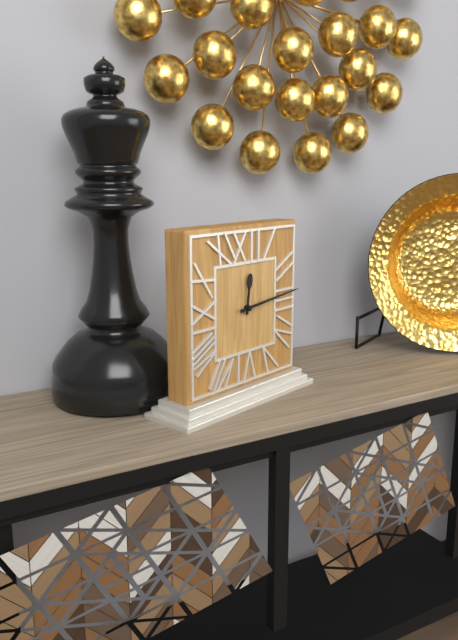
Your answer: **12:14**
